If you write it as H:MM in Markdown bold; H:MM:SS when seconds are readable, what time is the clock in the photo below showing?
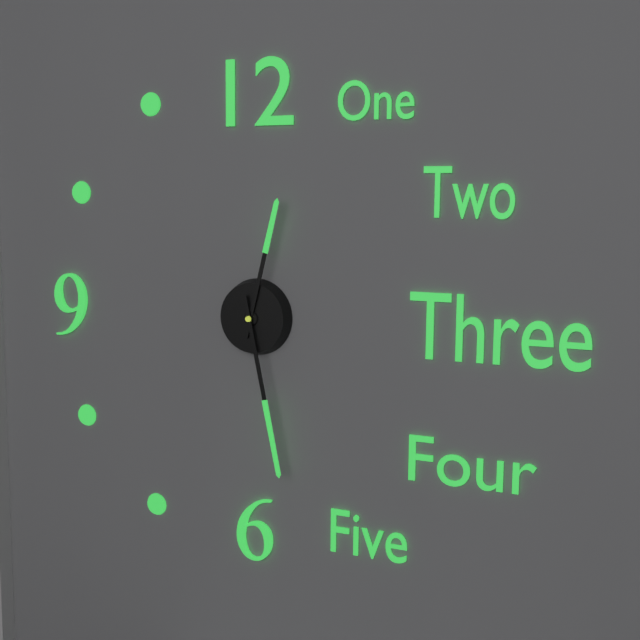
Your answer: **12:28**
